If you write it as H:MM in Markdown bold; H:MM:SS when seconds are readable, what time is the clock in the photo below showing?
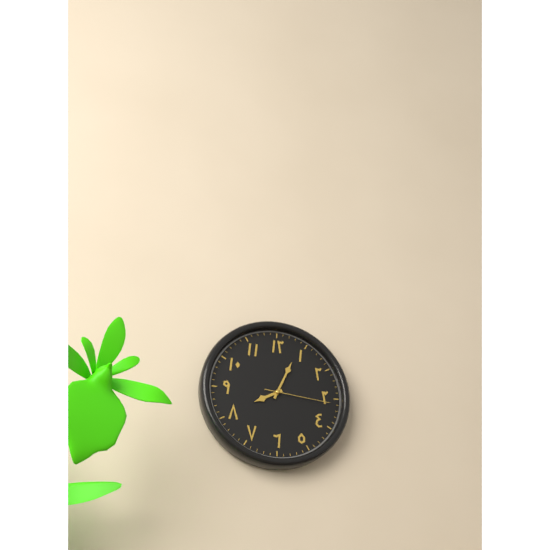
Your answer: **8:04:16**
